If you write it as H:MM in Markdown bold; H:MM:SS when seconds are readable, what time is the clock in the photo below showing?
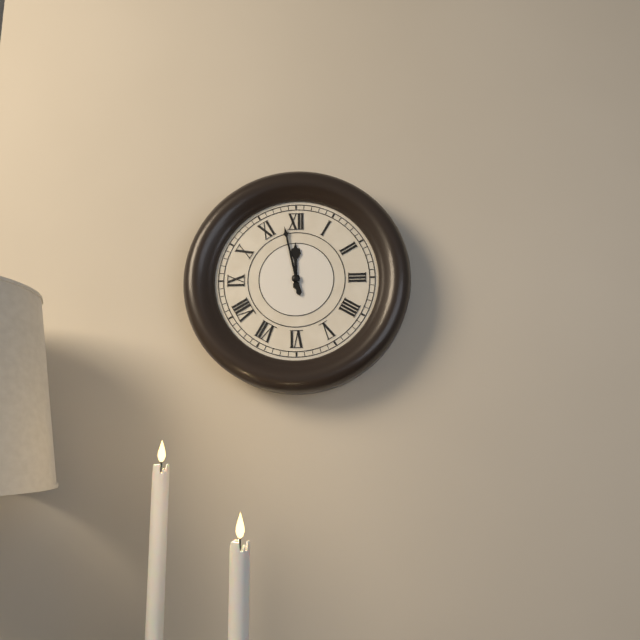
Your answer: **11:58**
